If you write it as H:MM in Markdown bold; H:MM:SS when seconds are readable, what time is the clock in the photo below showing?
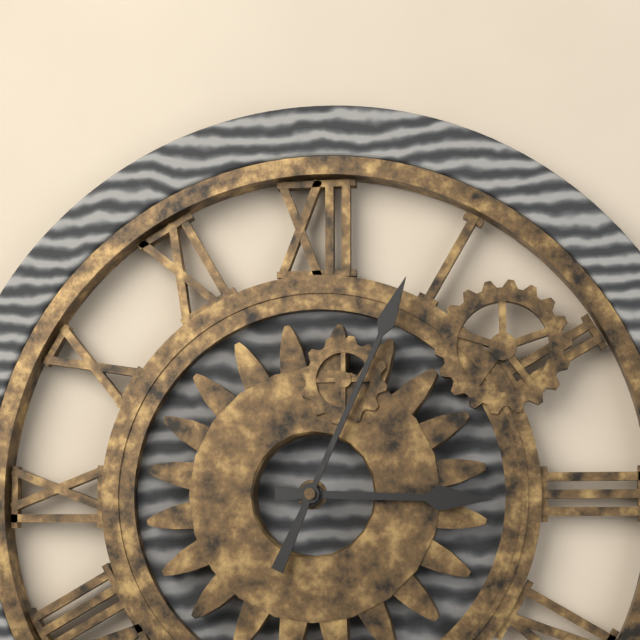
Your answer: **3:04**
